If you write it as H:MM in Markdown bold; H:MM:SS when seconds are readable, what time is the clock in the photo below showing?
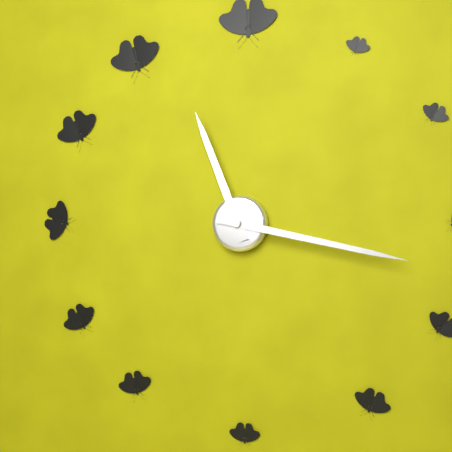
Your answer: **11:17**
